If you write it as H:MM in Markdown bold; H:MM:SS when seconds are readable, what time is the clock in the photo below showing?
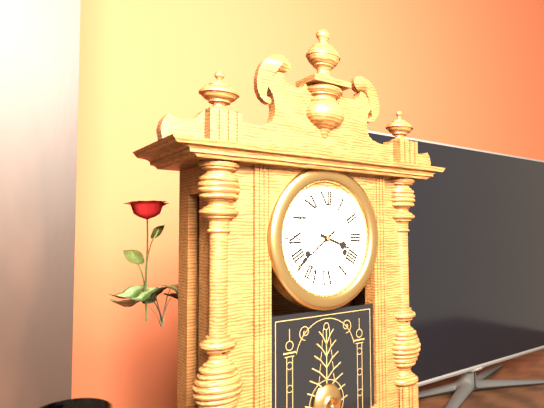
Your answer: **3:39**
